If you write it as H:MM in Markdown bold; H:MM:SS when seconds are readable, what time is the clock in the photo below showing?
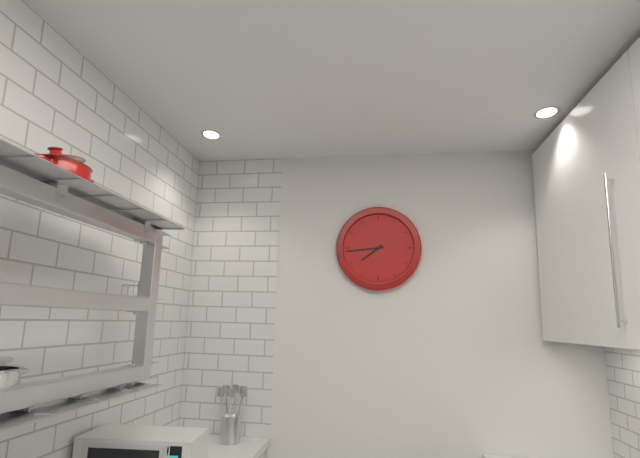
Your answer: **7:44**
